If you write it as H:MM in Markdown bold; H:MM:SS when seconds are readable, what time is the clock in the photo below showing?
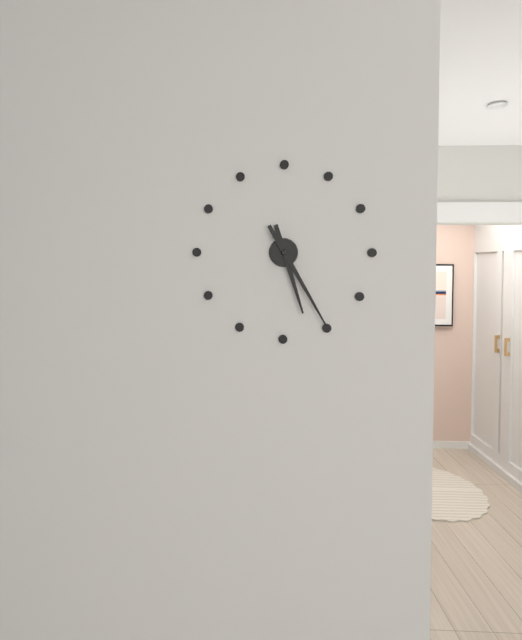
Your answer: **5:25**
